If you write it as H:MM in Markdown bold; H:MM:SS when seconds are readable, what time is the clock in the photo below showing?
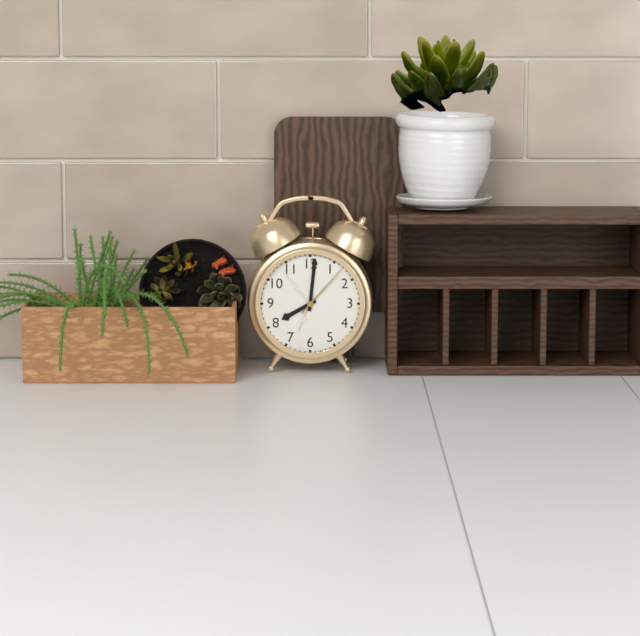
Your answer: **8:01:07**
